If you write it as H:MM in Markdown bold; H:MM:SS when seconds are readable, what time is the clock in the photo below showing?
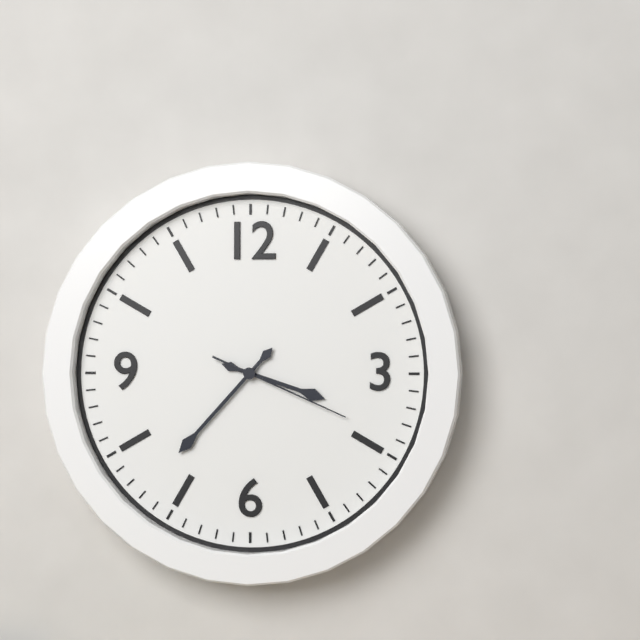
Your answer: **3:37:19**
